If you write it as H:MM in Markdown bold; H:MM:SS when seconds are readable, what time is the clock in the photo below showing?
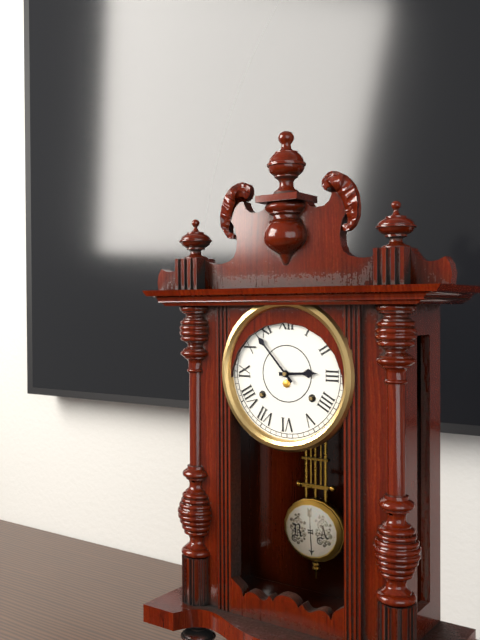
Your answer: **2:53**
